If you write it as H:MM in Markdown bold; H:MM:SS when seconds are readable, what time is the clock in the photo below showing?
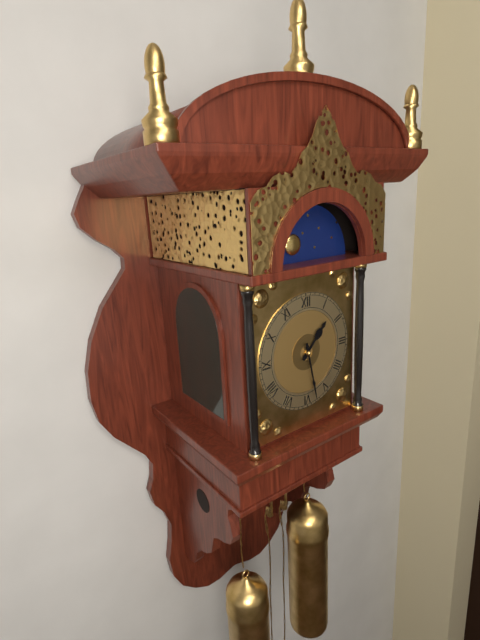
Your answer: **1:28**
